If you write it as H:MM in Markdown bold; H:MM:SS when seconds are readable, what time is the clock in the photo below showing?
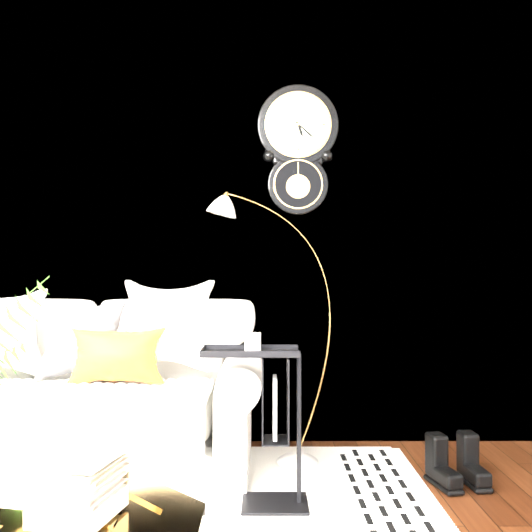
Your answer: **5:22**
